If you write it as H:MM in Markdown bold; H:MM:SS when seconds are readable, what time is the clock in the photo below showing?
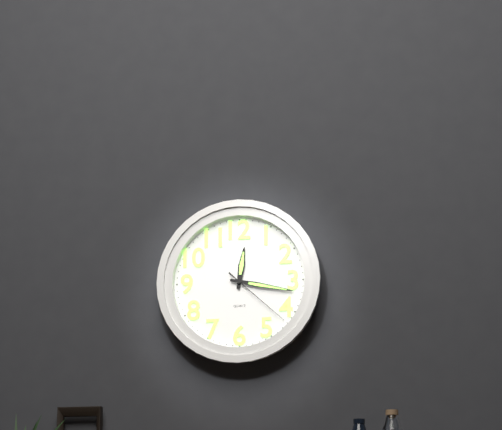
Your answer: **12:17:22**
